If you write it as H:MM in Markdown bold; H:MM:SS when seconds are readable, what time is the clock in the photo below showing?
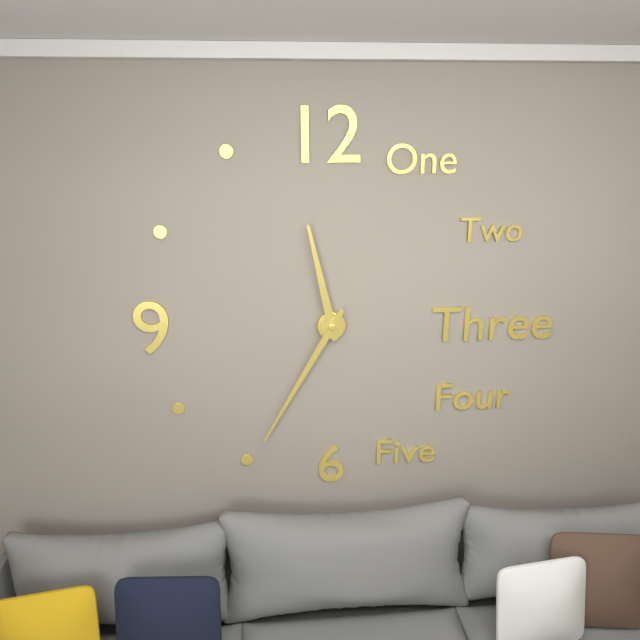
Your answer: **11:35**
